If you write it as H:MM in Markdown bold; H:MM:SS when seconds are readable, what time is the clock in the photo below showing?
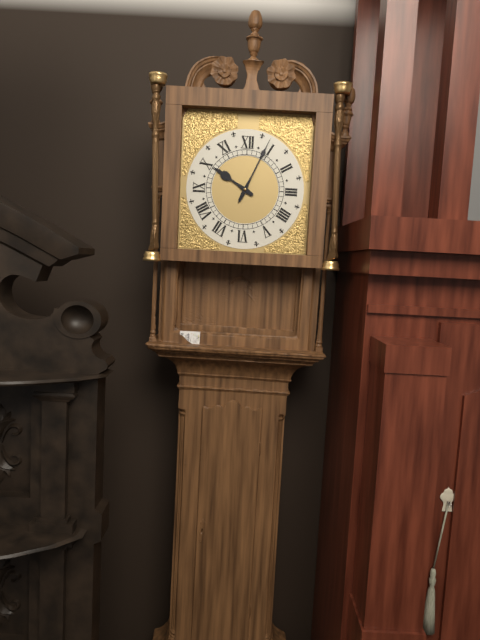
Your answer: **10:04**
